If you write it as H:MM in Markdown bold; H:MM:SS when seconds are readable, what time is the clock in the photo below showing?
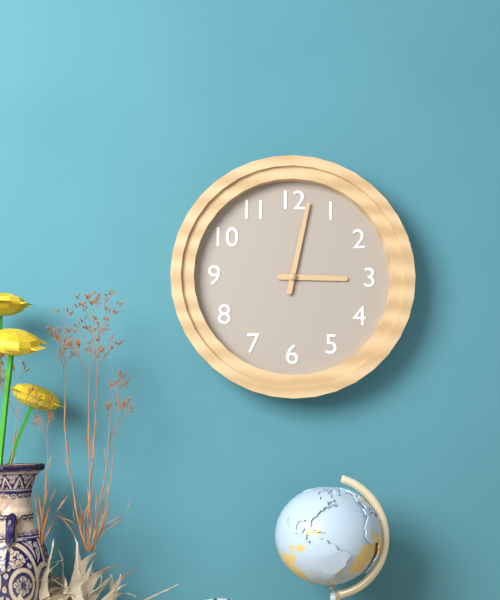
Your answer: **3:02**
